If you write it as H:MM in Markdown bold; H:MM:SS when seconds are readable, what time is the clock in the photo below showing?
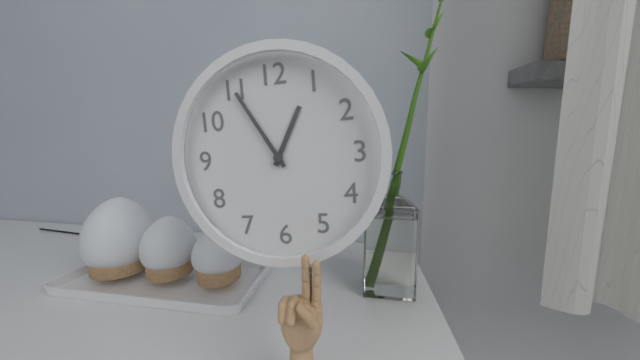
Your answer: **12:55**
